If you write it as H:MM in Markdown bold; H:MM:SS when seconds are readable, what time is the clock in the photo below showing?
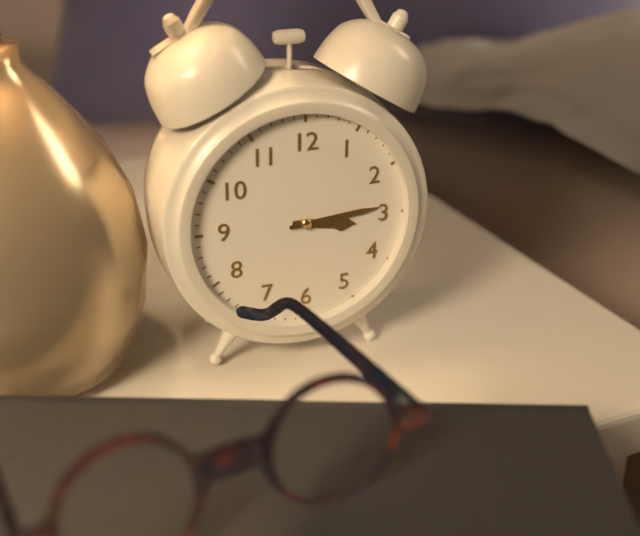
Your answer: **3:14**
